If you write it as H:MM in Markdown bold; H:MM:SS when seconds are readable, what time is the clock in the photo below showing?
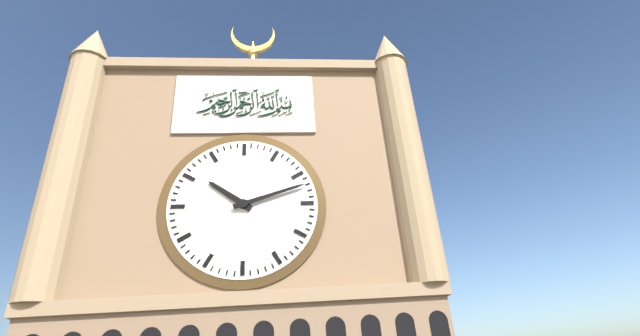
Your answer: **10:12**
